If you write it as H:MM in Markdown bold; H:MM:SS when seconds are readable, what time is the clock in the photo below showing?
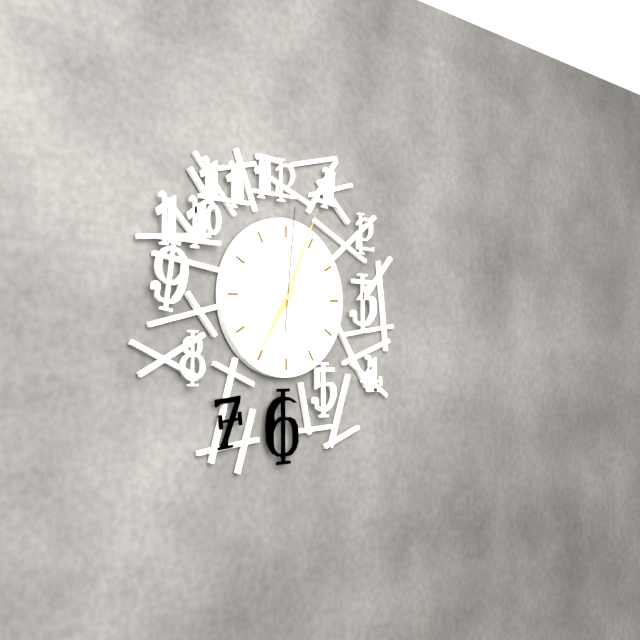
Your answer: **7:04:01**
